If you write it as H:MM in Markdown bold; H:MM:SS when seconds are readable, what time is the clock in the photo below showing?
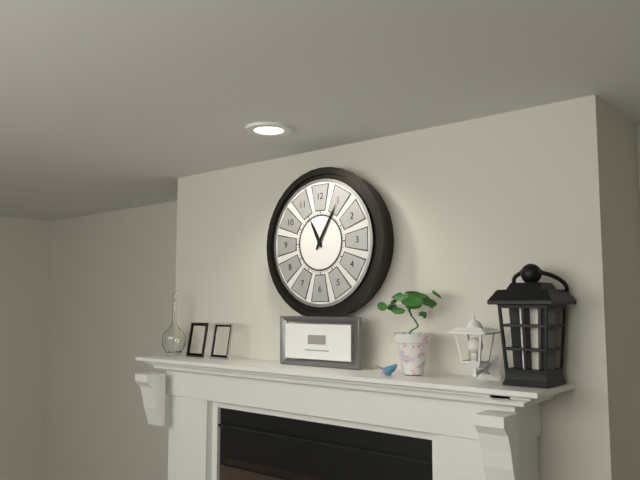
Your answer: **11:05**
